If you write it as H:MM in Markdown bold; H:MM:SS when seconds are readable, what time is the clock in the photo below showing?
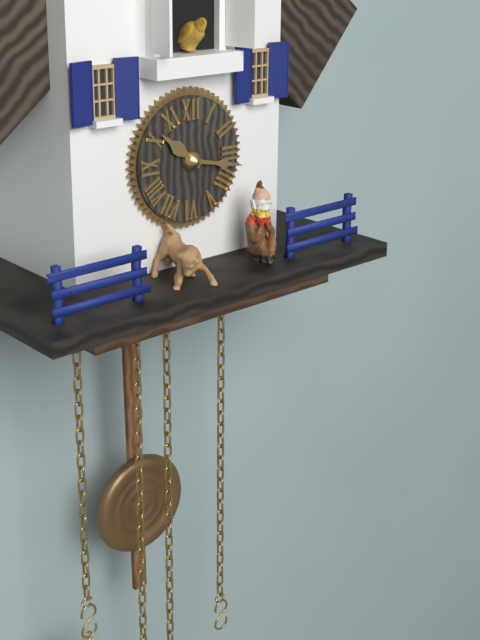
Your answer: **10:17**
